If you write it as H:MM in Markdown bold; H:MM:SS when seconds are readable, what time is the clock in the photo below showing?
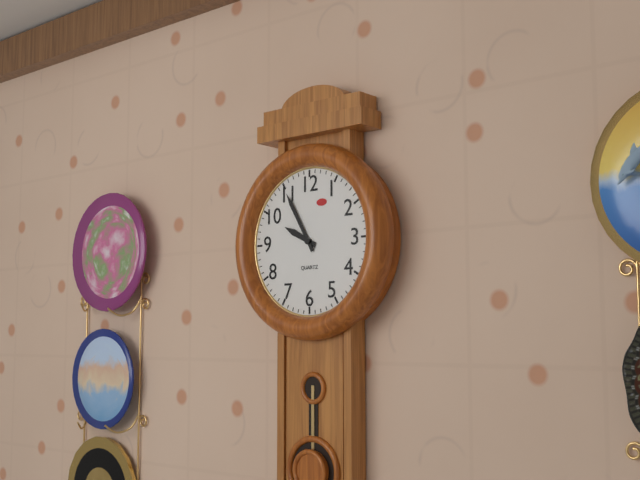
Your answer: **9:55**
